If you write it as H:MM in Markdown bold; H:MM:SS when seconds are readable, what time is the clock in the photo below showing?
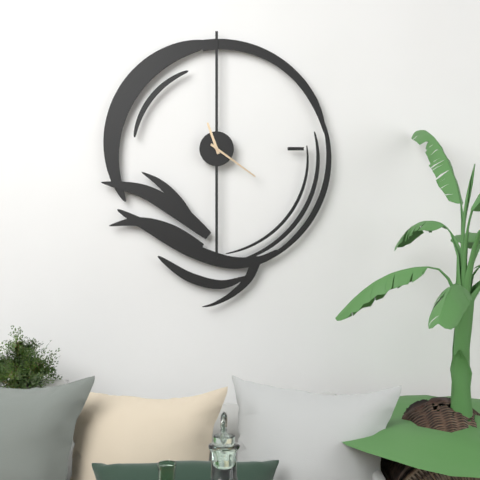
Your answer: **11:21**
